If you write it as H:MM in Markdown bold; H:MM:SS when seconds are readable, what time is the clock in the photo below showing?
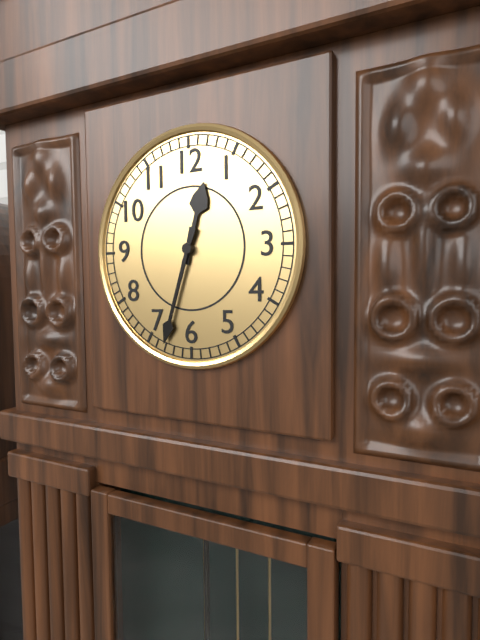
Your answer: **12:33**
